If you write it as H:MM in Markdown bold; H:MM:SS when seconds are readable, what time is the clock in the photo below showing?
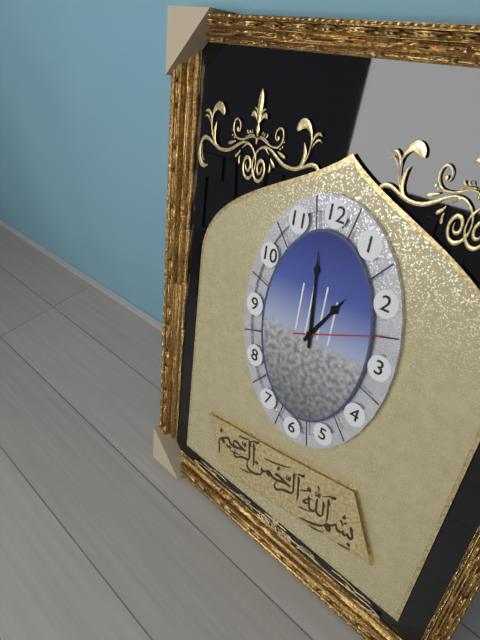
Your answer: **12:59:11**
